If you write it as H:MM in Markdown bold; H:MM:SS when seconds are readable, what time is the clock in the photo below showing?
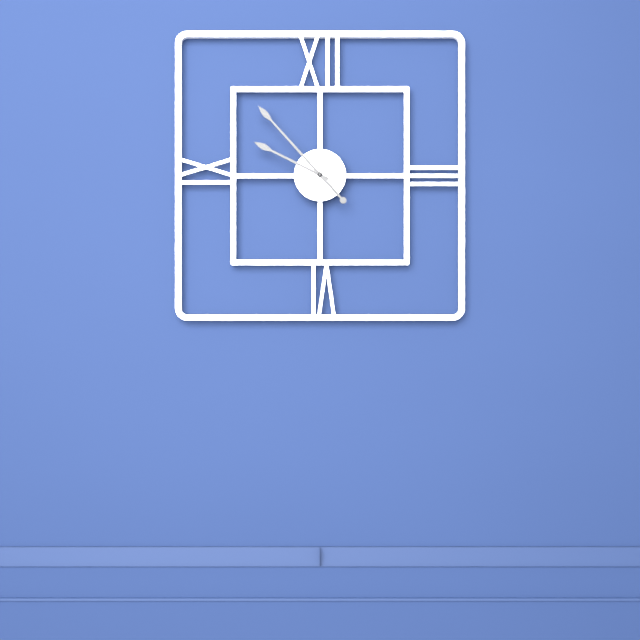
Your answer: **9:53**
